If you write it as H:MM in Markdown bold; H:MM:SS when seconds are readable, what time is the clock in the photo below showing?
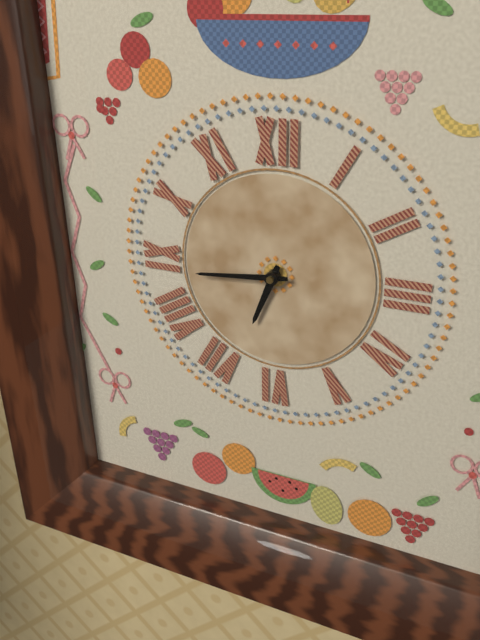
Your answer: **6:44**
